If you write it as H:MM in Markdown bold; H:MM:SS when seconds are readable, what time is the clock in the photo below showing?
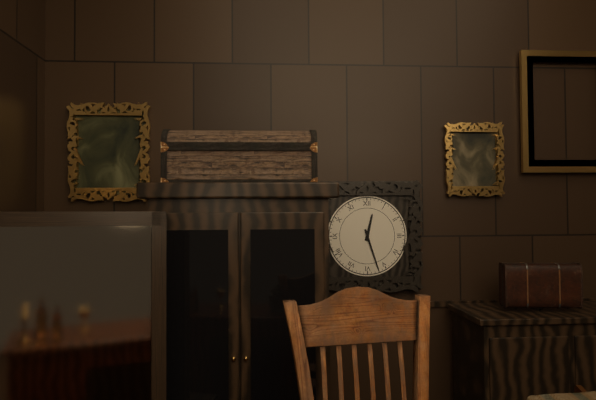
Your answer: **12:27**
